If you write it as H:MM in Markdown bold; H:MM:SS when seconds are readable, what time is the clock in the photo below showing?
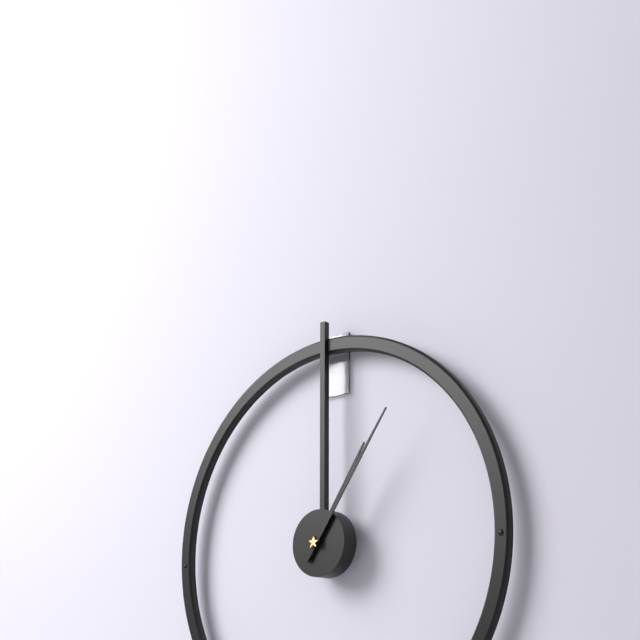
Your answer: **1:06**
